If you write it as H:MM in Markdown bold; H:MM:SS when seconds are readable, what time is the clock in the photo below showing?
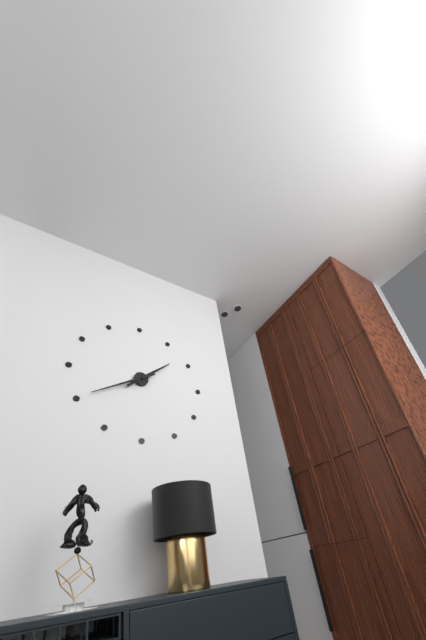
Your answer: **1:40**
